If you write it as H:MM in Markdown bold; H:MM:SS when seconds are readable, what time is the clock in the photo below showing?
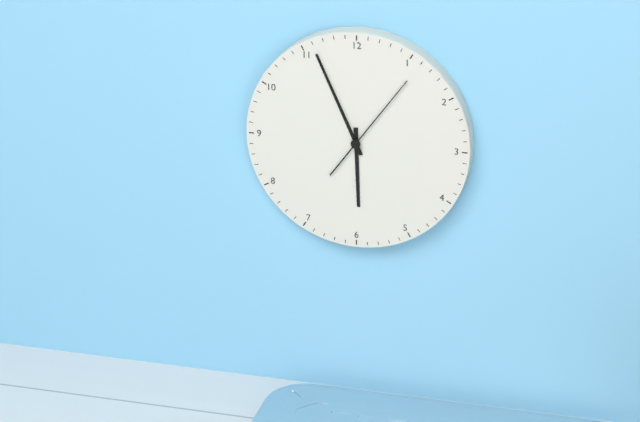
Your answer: **5:56:06**
